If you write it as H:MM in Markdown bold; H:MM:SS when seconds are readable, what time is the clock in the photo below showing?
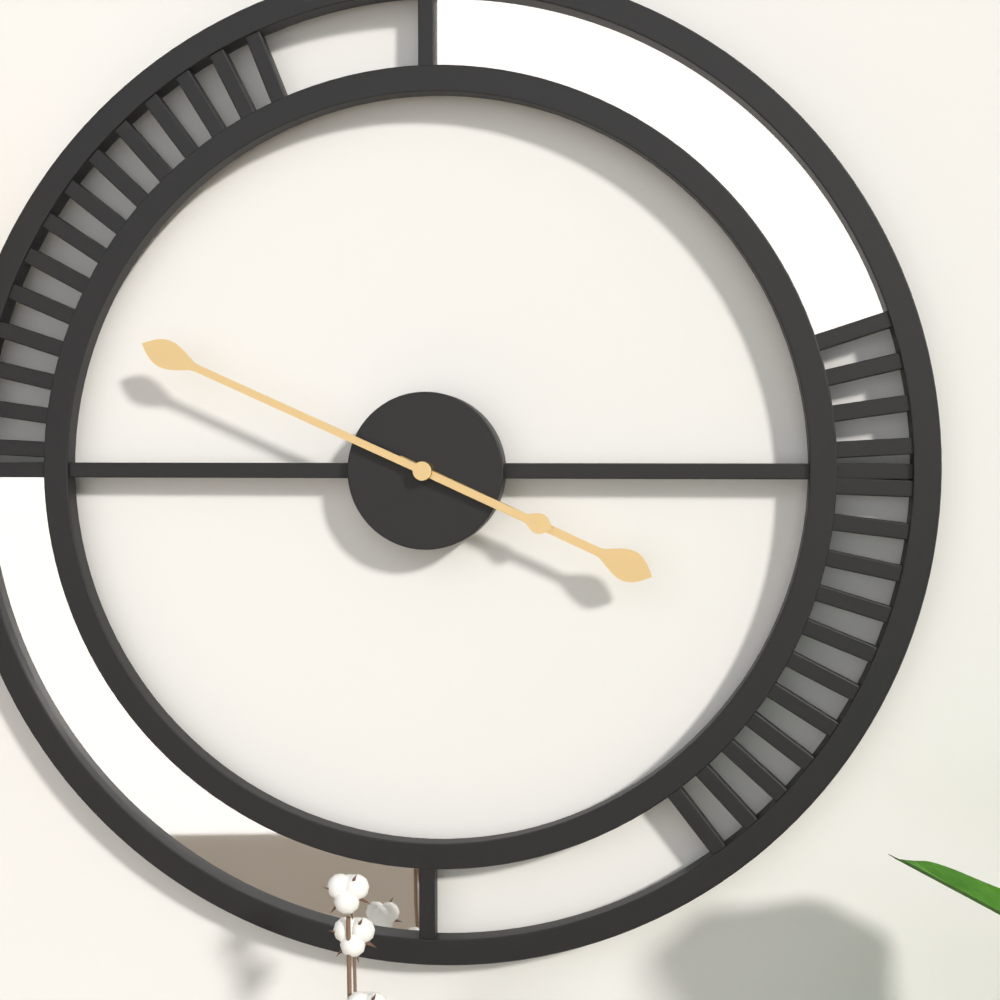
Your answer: **3:49**
